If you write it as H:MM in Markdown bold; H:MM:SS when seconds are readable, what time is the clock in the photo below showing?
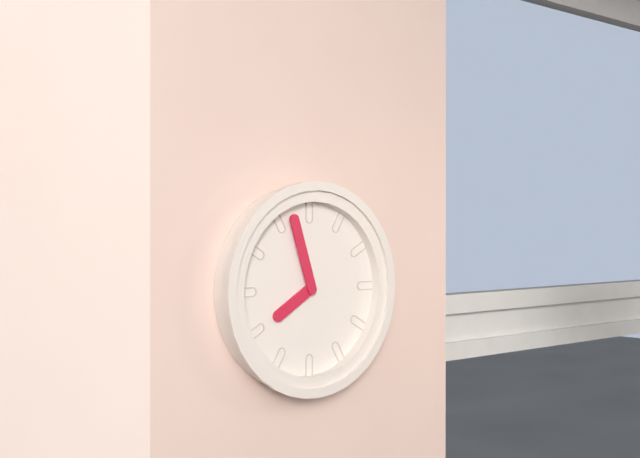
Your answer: **7:57**
